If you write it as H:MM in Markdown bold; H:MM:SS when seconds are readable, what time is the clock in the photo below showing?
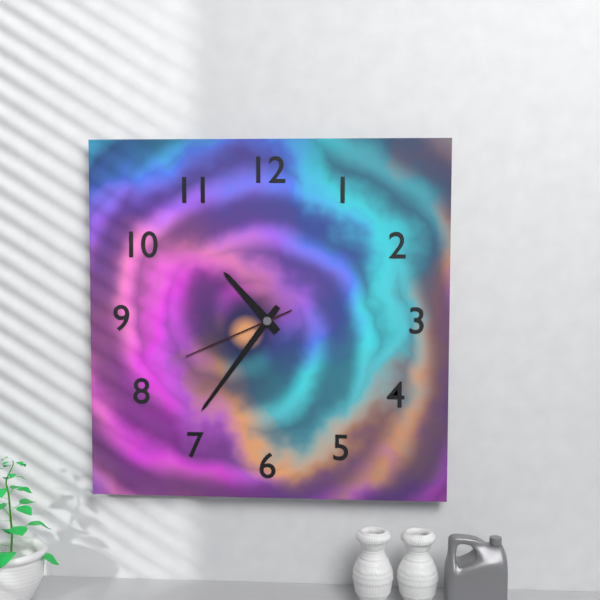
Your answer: **10:36:41**
